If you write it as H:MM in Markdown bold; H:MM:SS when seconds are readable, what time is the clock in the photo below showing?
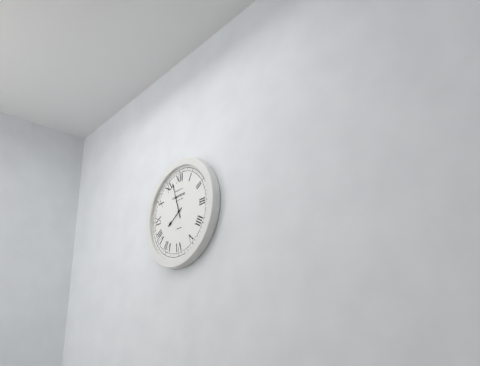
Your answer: **7:57**
